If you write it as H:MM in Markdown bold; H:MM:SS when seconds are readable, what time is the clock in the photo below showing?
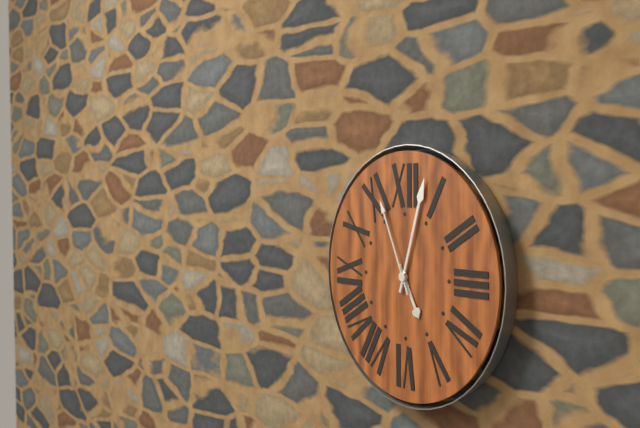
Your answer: **5:03:56**
